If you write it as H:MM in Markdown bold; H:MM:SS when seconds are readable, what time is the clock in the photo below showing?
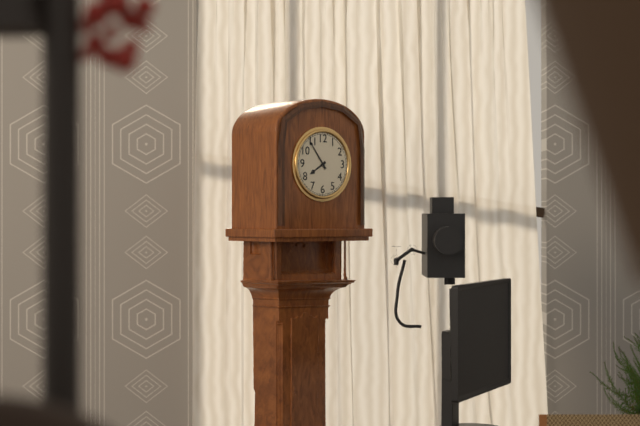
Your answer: **7:54**
